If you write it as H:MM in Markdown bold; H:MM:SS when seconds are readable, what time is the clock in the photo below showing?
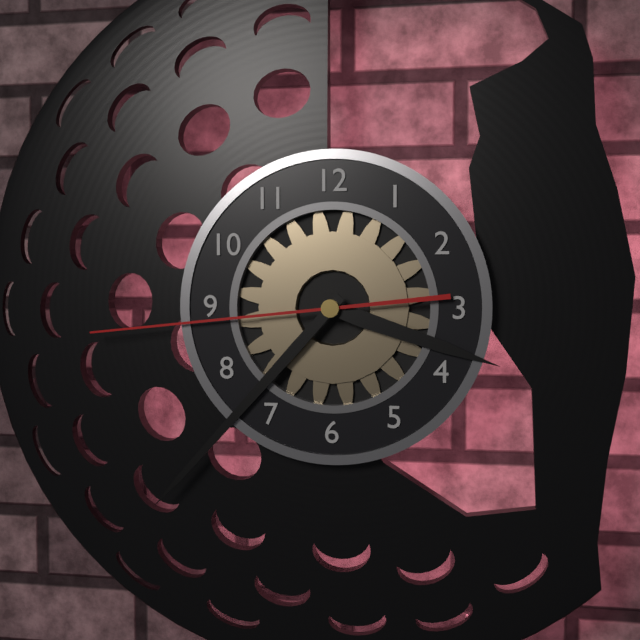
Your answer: **3:37:44**
